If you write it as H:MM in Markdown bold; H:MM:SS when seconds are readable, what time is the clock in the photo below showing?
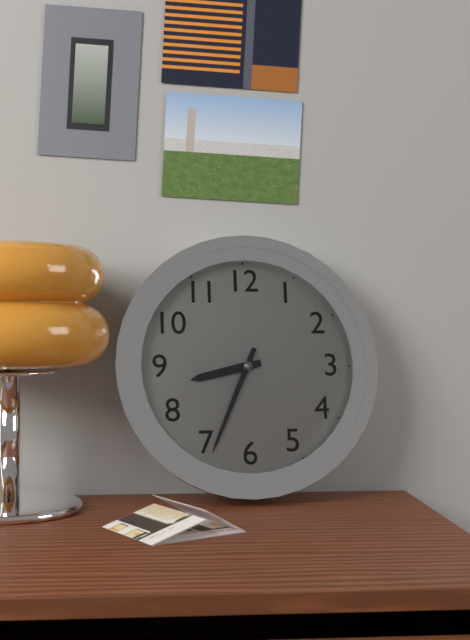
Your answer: **8:34**
